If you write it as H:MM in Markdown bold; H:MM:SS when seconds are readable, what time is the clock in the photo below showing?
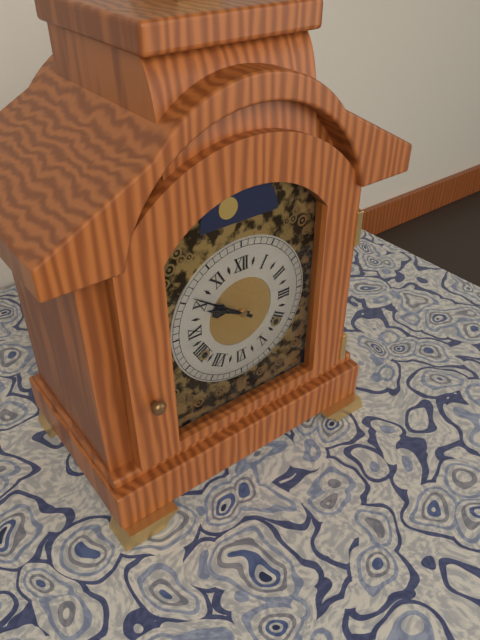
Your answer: **9:51**
